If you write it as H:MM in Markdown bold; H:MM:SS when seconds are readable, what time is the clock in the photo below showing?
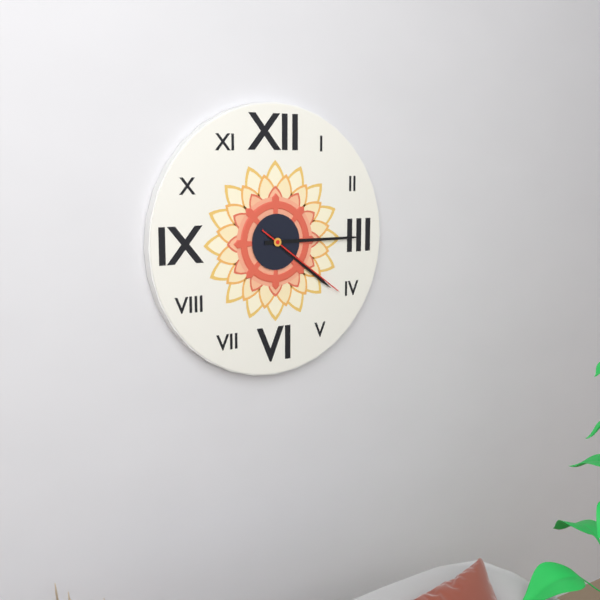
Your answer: **4:15:21**
